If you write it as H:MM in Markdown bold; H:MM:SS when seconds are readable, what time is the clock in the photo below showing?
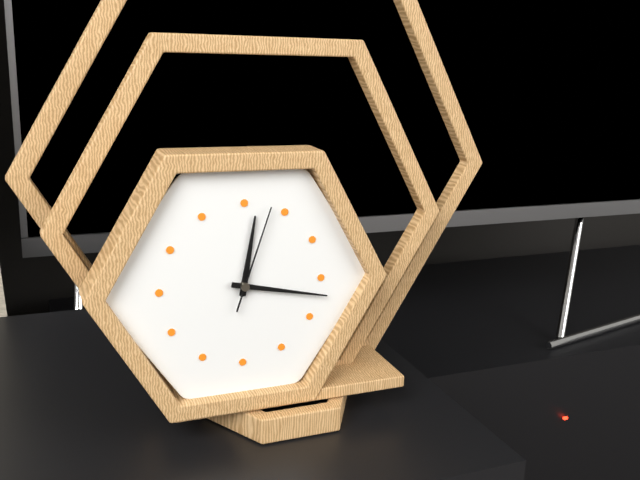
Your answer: **12:17:03**
